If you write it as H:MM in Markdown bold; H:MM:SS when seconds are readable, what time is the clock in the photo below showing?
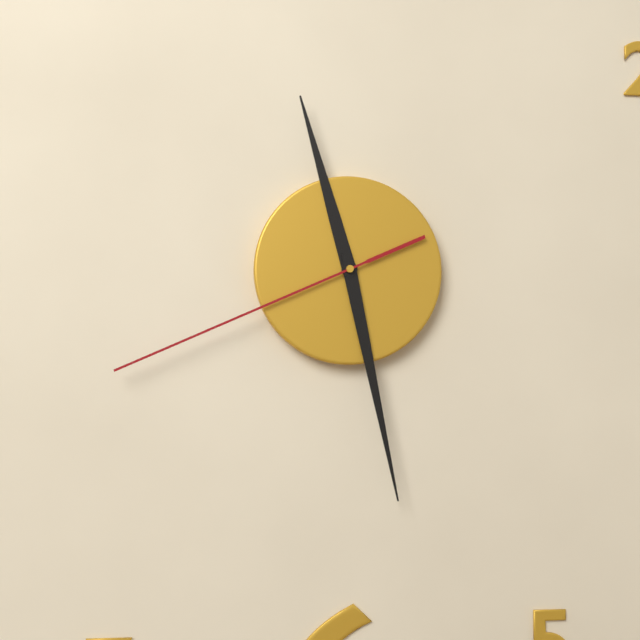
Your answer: **11:28:41**
